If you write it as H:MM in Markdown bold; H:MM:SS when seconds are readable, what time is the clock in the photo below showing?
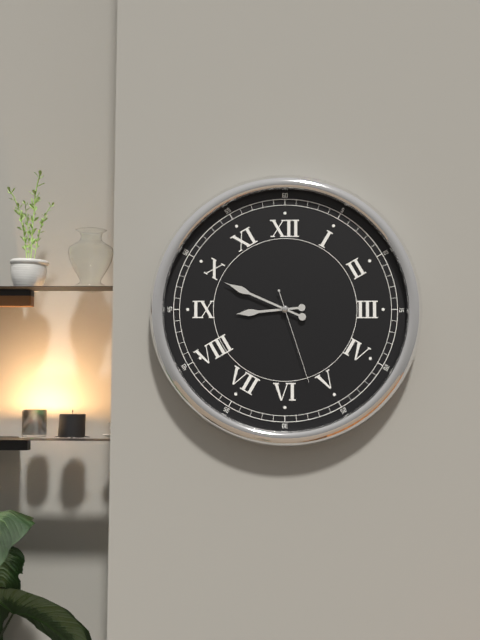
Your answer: **8:49:27**
